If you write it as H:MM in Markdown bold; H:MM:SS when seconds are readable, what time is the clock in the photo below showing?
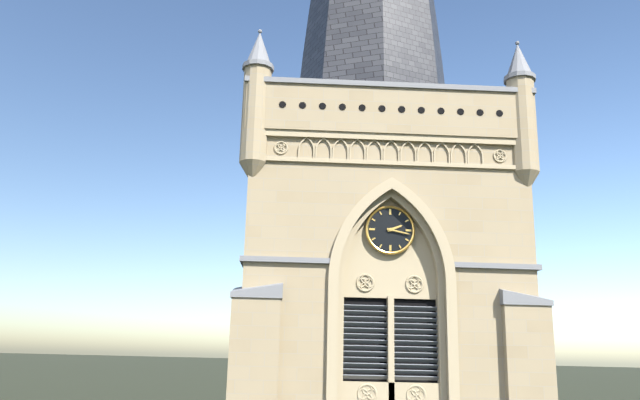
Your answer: **2:17**
